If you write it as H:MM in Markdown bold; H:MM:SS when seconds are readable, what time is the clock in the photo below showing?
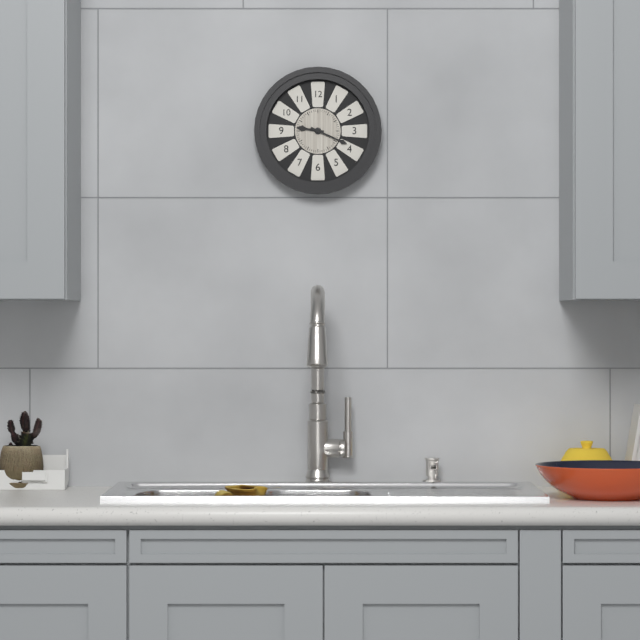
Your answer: **9:19**
